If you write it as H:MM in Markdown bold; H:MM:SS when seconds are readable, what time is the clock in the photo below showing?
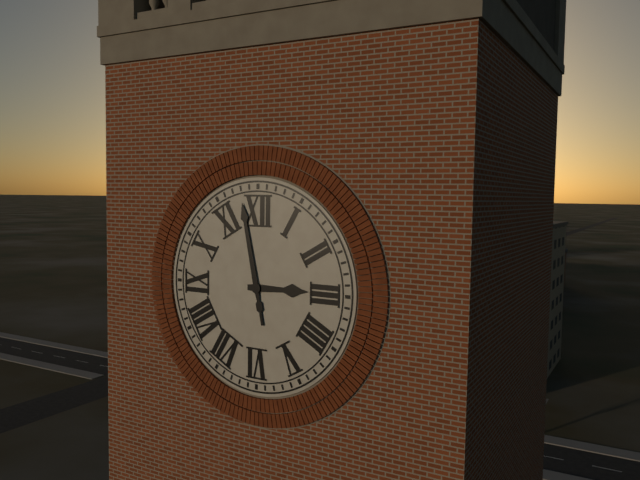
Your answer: **2:58**
